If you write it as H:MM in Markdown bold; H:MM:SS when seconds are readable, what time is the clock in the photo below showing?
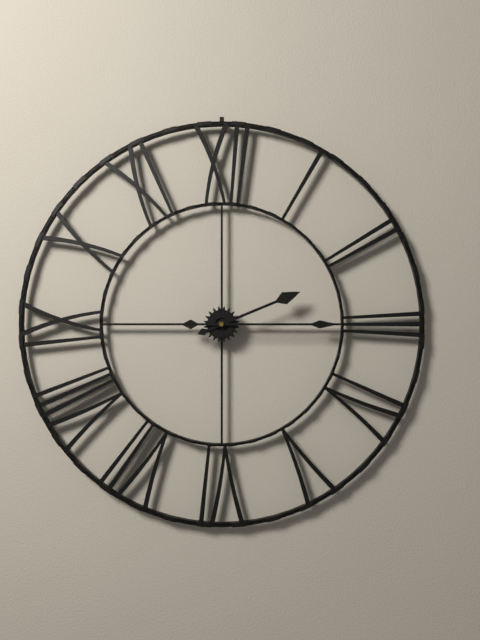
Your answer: **2:15**
